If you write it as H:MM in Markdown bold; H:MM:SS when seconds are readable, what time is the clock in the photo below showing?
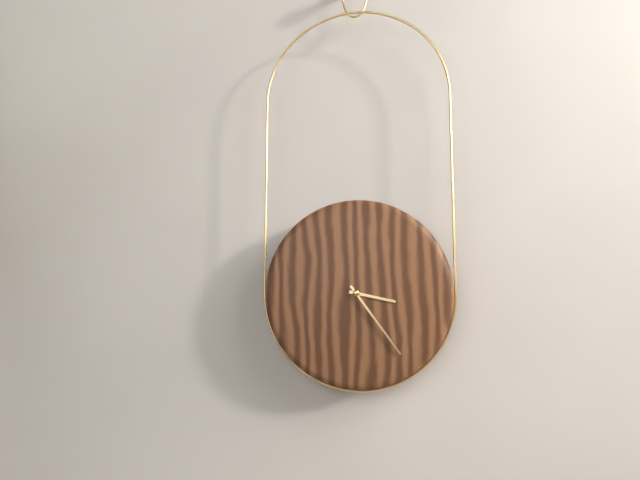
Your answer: **3:24**
